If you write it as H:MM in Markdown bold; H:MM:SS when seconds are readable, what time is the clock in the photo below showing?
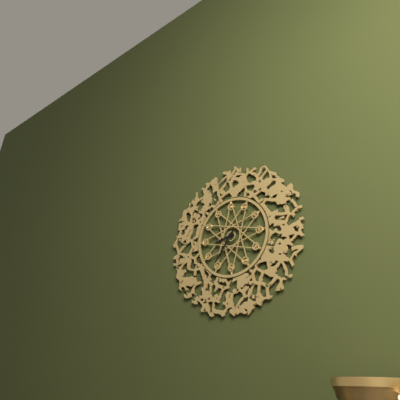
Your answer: **8:36**
